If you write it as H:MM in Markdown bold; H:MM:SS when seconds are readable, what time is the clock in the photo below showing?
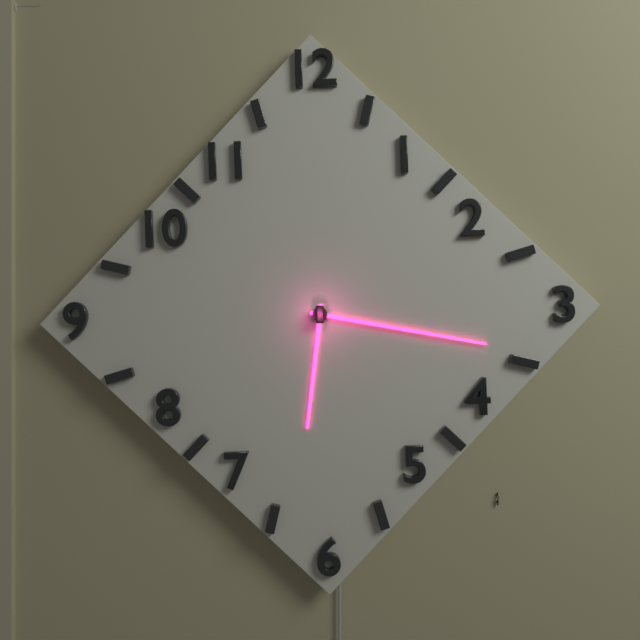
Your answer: **6:17**
